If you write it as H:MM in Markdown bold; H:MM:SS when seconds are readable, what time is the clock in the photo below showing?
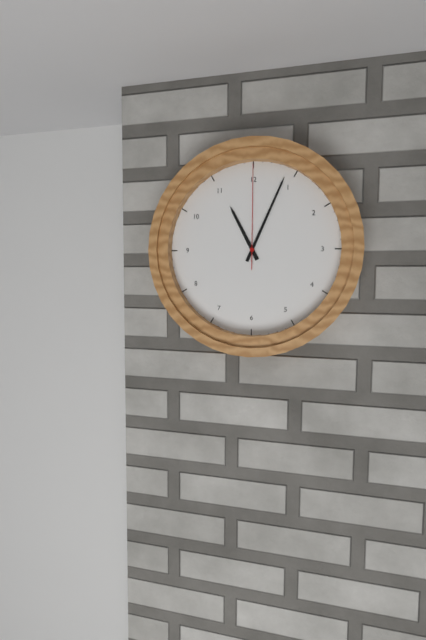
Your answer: **11:04:00**
